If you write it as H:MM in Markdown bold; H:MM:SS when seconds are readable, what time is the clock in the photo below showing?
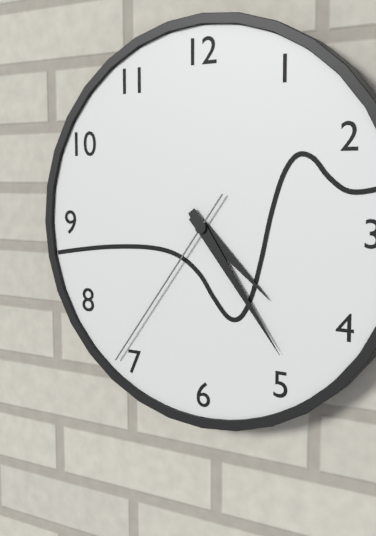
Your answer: **4:24:36**
